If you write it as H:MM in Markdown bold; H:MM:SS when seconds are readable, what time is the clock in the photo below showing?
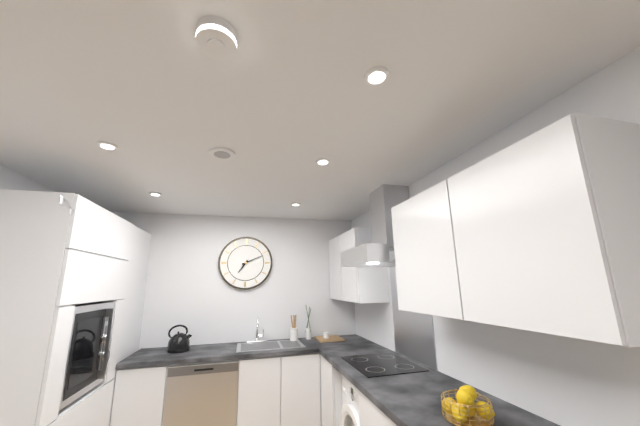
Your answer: **7:11**
